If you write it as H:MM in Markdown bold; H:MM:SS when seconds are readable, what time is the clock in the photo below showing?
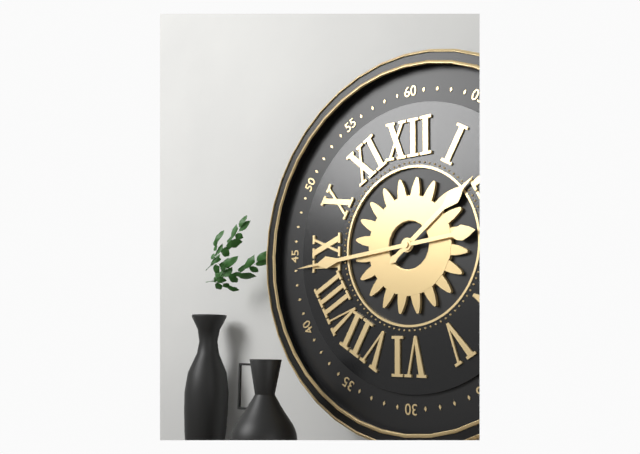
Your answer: **1:44**
